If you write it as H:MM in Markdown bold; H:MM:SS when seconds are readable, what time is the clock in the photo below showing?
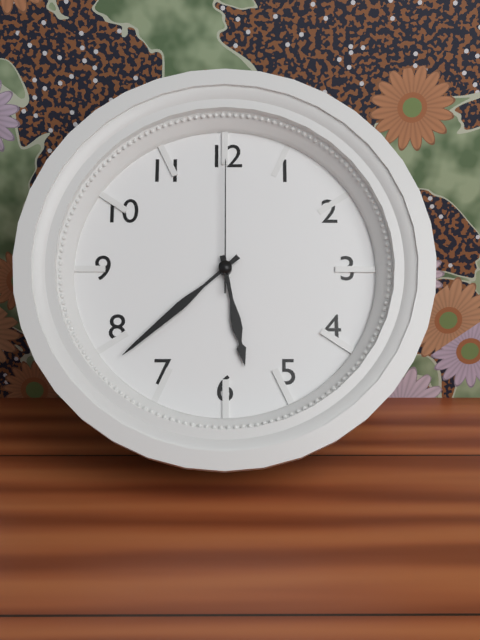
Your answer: **5:38:00**
